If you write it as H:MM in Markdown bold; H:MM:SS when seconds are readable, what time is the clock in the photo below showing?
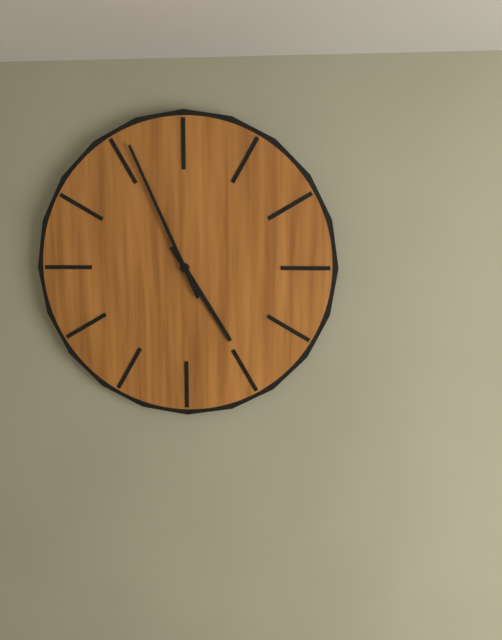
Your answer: **4:56**
